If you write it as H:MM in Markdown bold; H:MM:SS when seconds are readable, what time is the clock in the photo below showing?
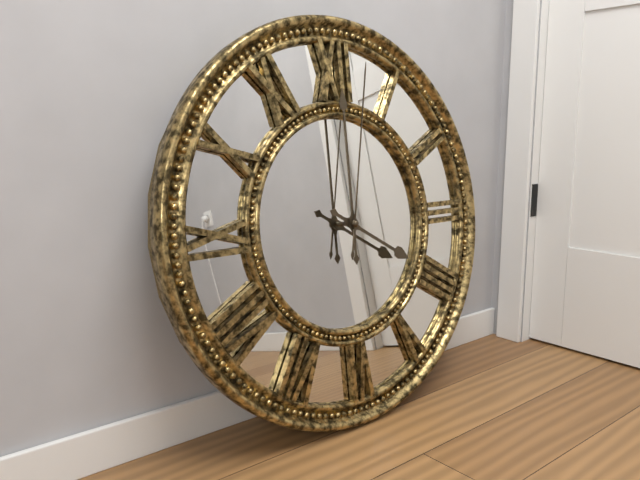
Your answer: **4:00:02**
